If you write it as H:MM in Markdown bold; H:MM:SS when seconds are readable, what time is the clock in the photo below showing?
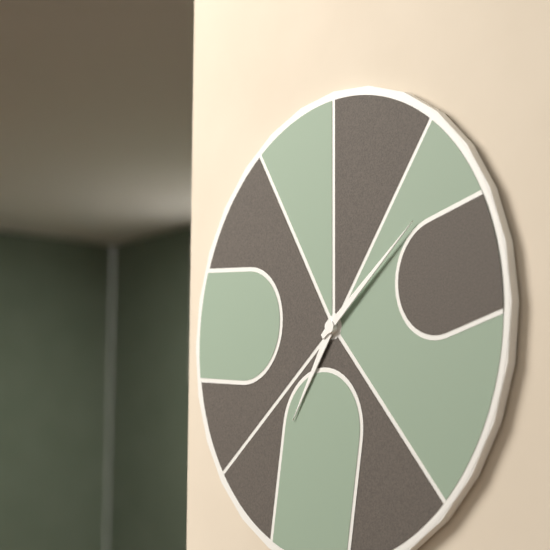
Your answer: **7:09**
